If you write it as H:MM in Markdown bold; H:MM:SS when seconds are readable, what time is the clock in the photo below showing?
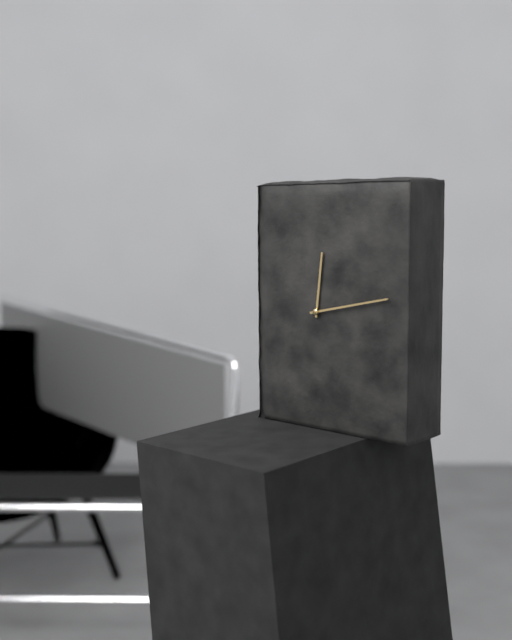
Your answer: **12:13**
